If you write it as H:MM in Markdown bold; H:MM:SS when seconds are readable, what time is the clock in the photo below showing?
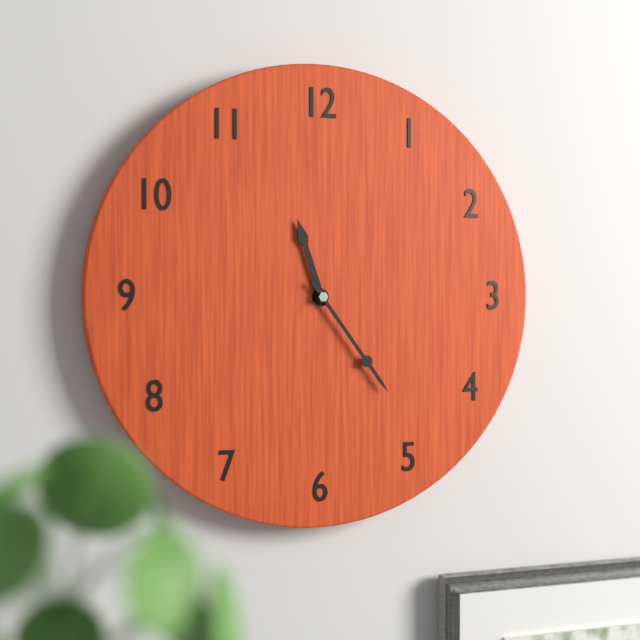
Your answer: **11:24**
